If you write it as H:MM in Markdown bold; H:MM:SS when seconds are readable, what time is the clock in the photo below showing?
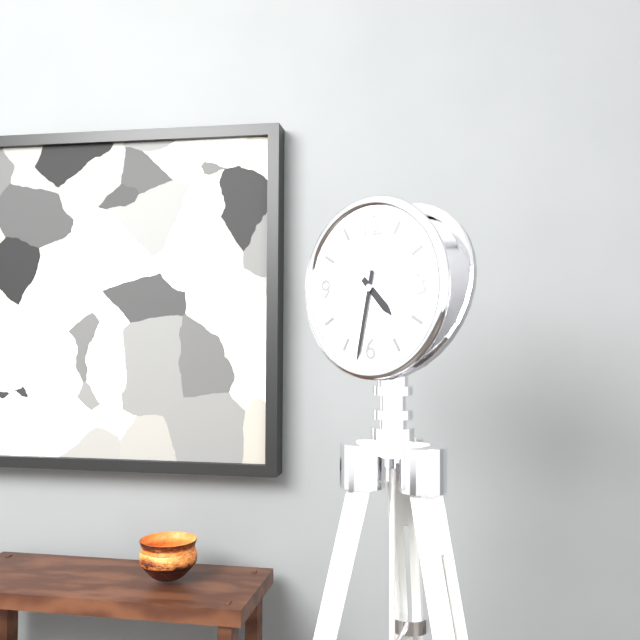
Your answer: **4:32**
